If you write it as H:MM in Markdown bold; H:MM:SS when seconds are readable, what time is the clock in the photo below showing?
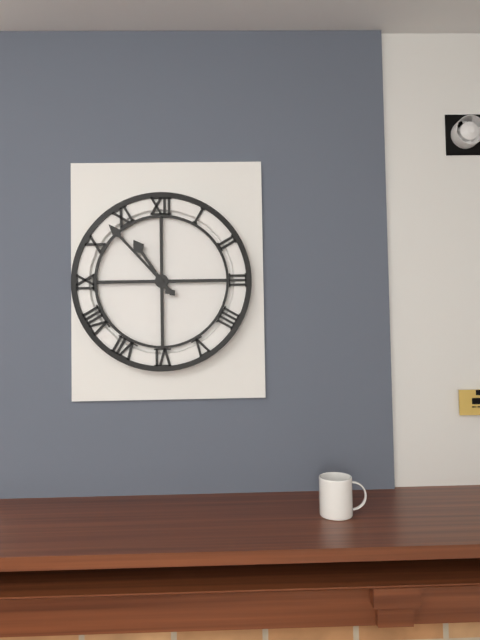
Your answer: **10:53**
